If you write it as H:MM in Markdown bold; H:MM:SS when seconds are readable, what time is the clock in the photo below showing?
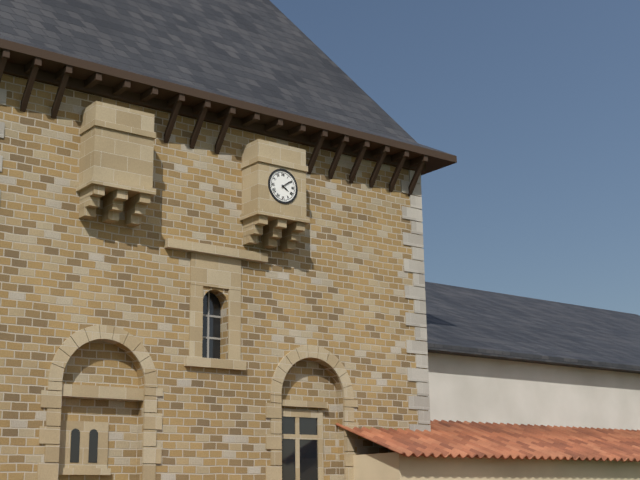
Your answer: **4:09**
